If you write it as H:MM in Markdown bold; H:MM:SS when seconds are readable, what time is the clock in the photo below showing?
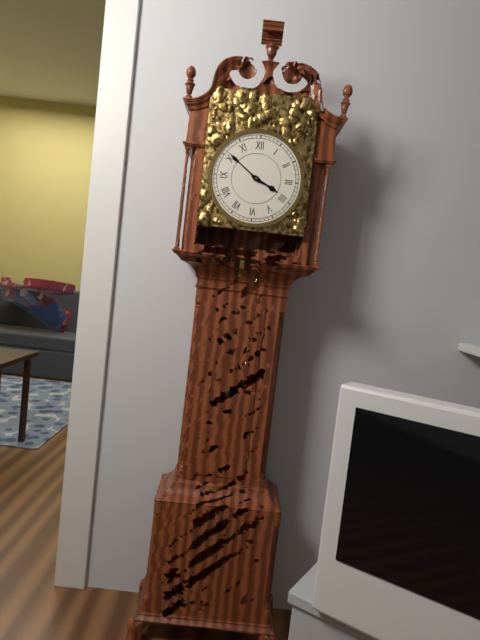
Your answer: **3:51**
